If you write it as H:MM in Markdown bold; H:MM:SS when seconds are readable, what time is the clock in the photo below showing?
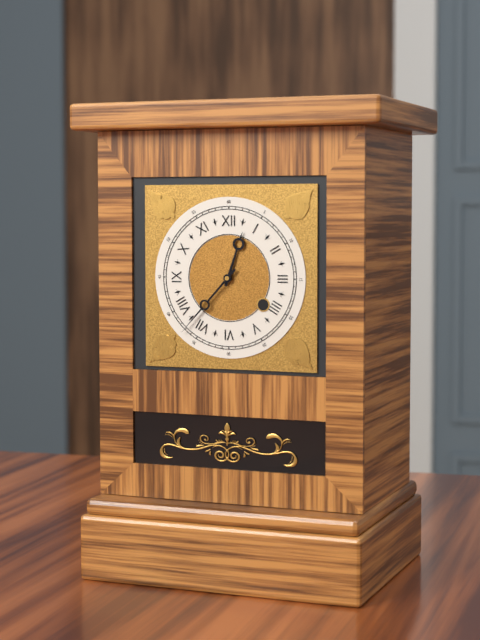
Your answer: **12:37**
